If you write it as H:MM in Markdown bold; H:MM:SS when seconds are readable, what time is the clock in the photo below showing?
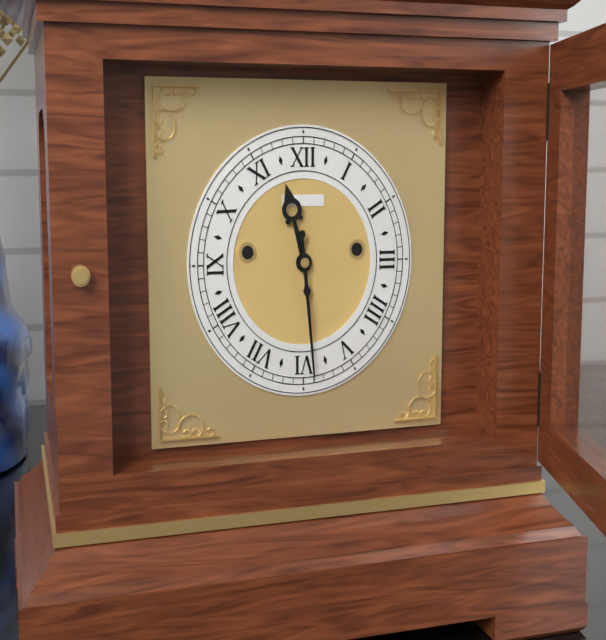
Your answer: **11:29**
